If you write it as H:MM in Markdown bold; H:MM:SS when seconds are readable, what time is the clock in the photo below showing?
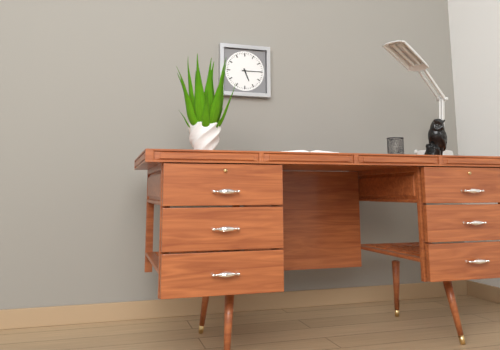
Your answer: **5:15**
